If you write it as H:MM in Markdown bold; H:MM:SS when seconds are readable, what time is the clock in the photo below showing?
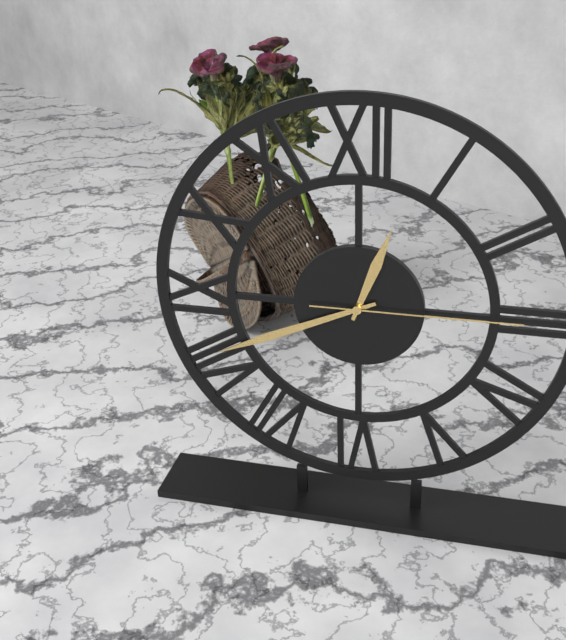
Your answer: **12:41:15**
